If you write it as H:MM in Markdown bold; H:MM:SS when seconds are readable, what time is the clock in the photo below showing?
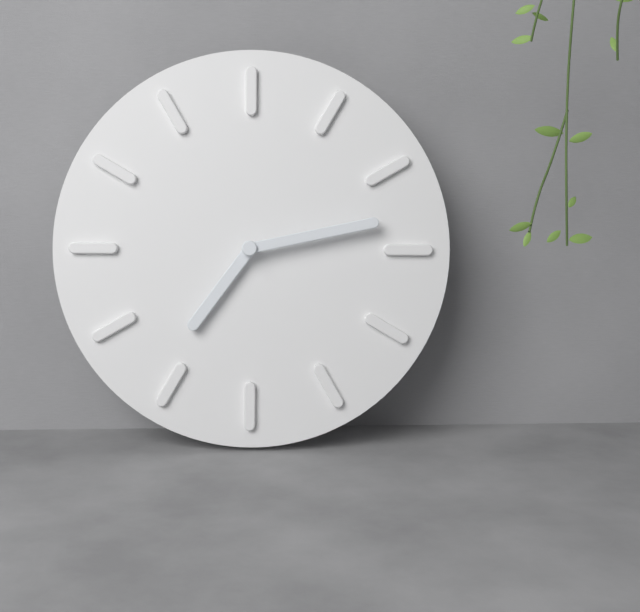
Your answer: **7:13**
